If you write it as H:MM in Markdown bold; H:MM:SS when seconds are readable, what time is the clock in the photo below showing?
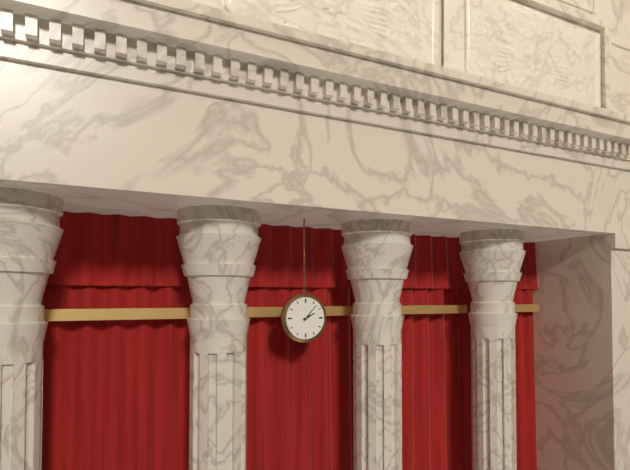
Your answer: **2:07**
